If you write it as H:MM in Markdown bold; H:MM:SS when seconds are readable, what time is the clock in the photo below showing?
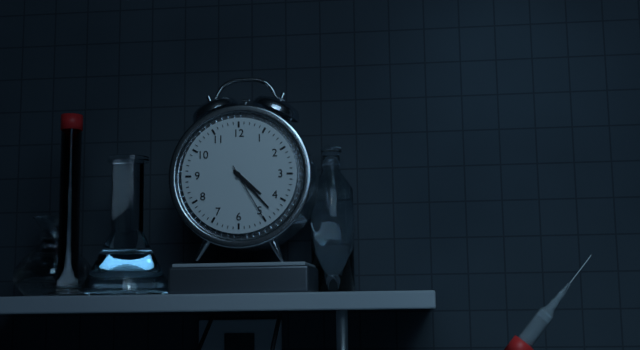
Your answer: **4:23:25**
